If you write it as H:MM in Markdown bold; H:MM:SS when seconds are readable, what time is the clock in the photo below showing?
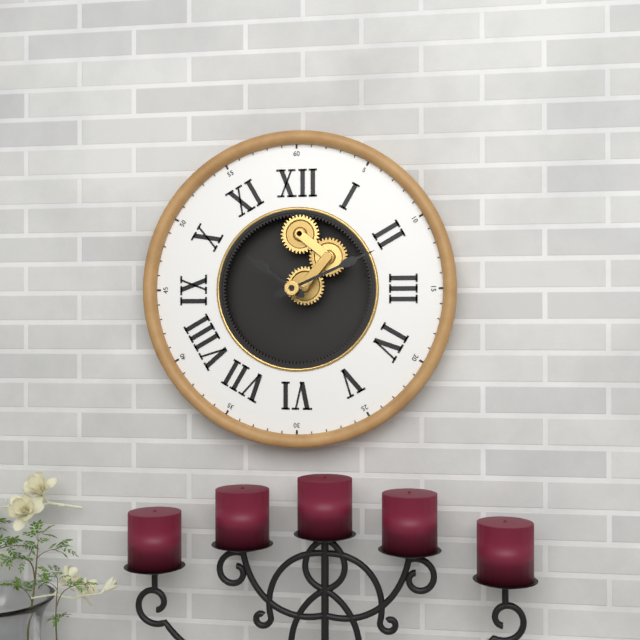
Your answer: **10:11**
